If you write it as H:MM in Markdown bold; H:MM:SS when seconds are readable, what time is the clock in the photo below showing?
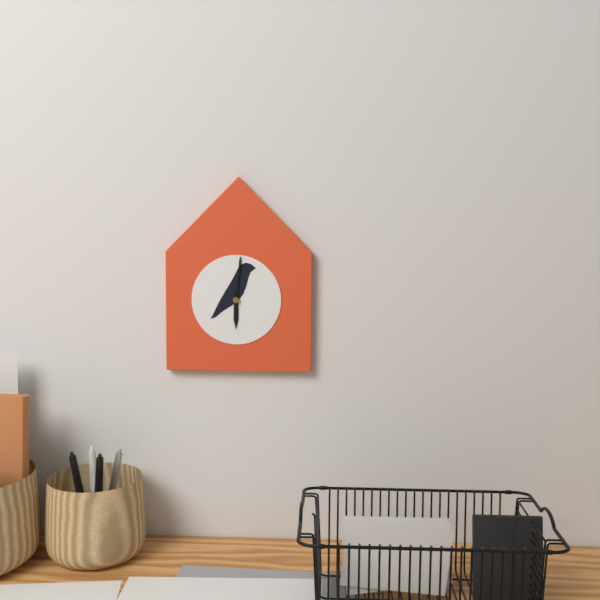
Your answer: **6:01**
